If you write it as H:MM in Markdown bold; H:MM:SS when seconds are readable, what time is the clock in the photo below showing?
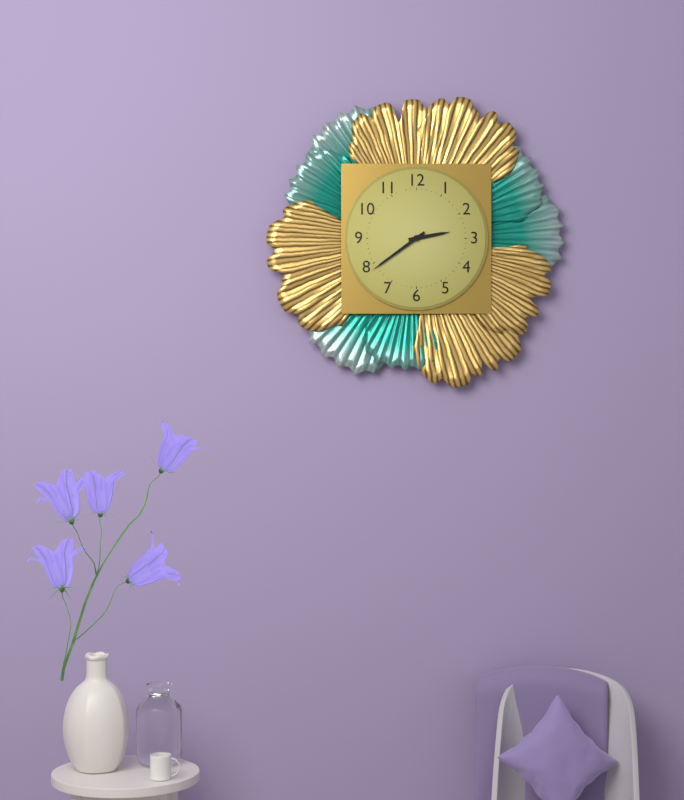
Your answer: **2:39**
